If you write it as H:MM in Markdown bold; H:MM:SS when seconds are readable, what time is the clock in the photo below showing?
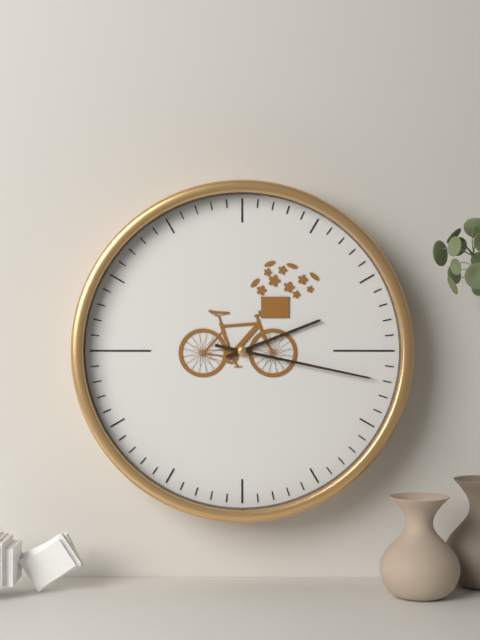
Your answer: **2:17**
